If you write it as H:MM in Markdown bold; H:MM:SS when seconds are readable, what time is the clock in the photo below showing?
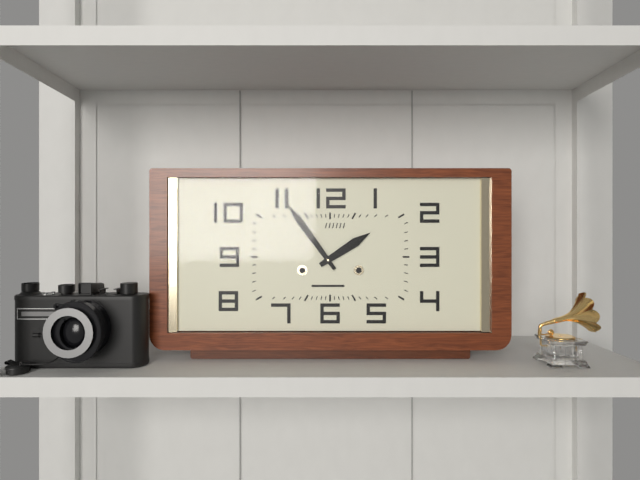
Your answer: **1:54**
